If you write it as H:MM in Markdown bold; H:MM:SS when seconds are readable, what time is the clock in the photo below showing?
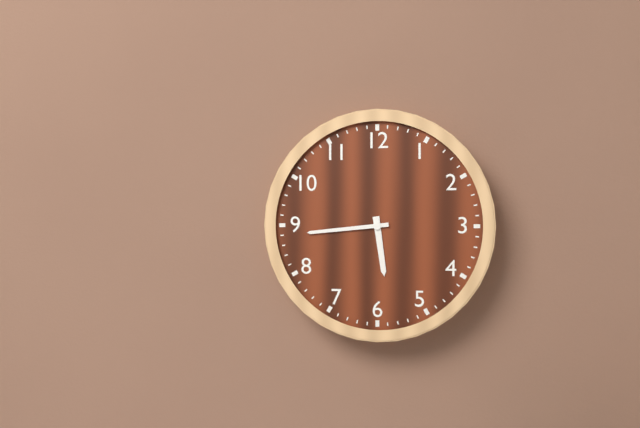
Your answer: **5:44**
